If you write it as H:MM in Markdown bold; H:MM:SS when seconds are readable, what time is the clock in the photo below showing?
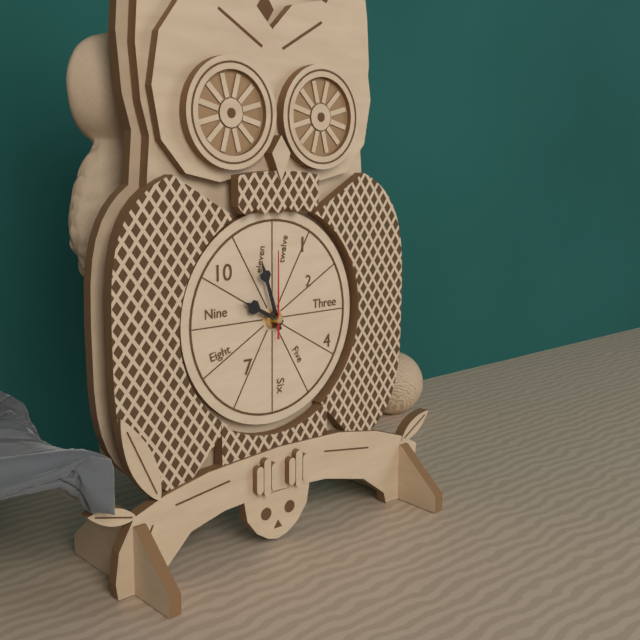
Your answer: **9:57:00**
